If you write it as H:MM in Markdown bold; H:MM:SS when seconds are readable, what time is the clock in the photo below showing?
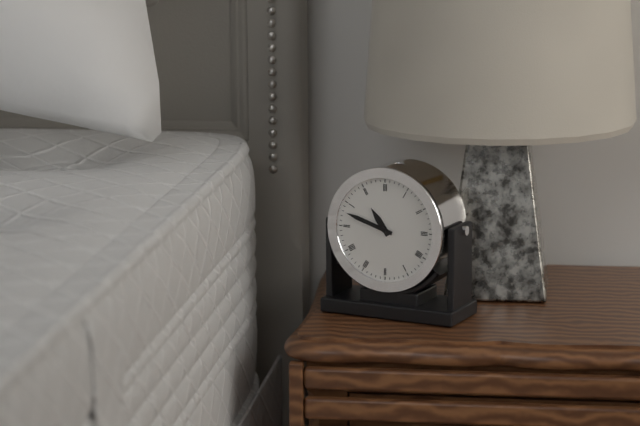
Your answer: **10:48**
